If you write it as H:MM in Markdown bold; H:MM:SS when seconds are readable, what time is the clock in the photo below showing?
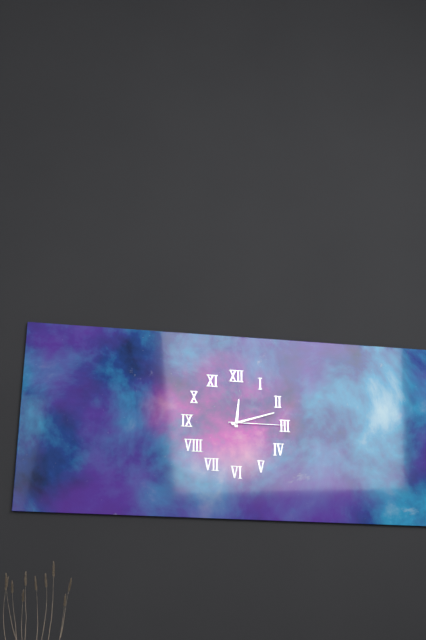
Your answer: **12:12:15**
